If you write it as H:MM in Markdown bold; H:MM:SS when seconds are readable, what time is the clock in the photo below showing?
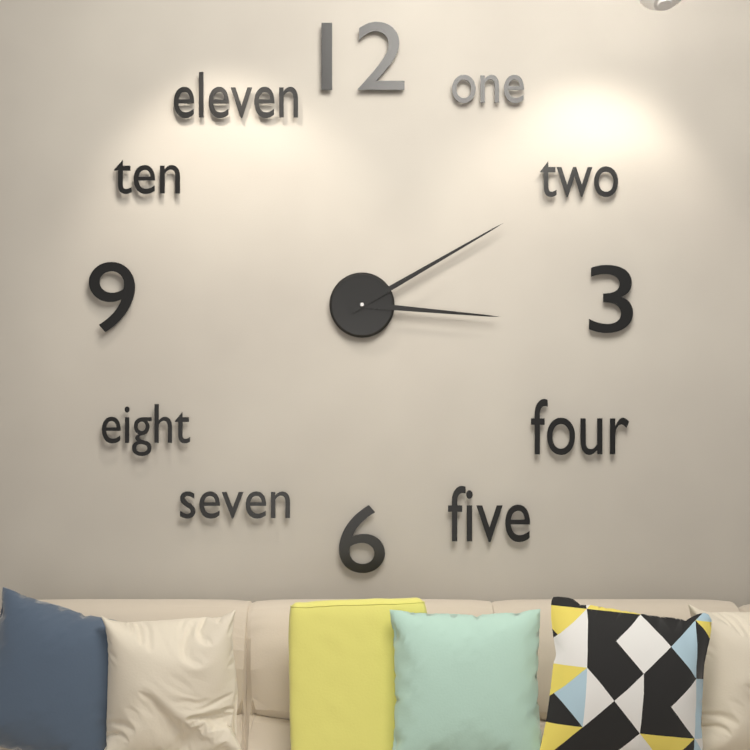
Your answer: **3:10**
